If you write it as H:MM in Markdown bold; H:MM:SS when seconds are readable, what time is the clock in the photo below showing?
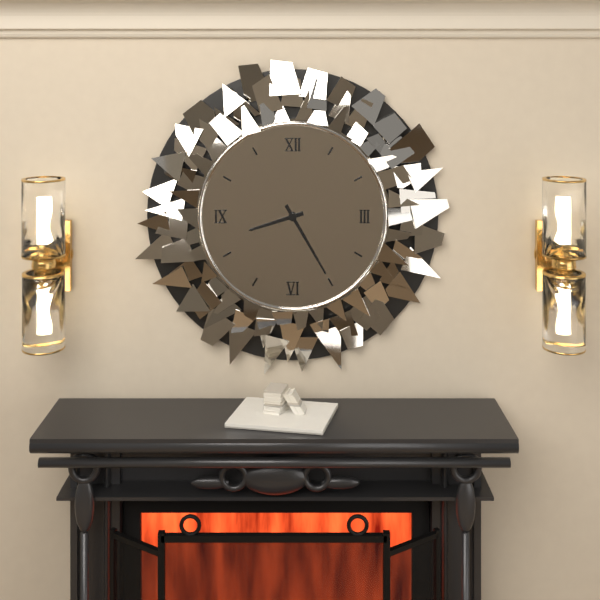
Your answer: **8:25**
